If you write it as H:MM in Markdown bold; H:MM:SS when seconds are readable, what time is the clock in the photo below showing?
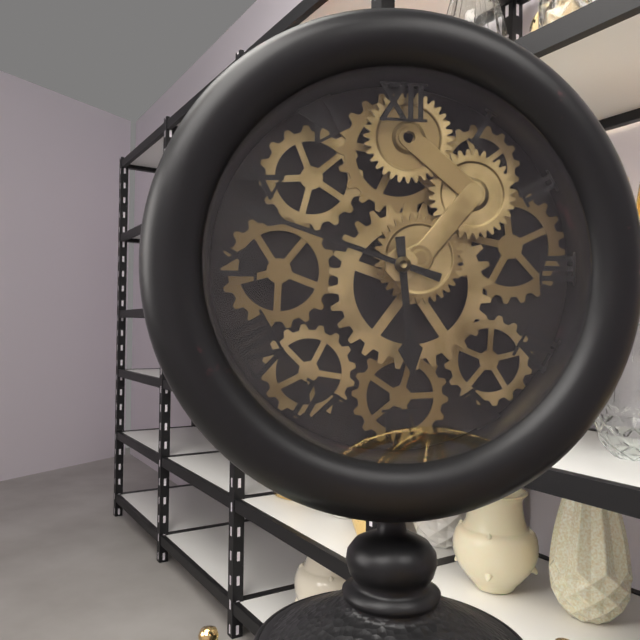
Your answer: **5:48**
